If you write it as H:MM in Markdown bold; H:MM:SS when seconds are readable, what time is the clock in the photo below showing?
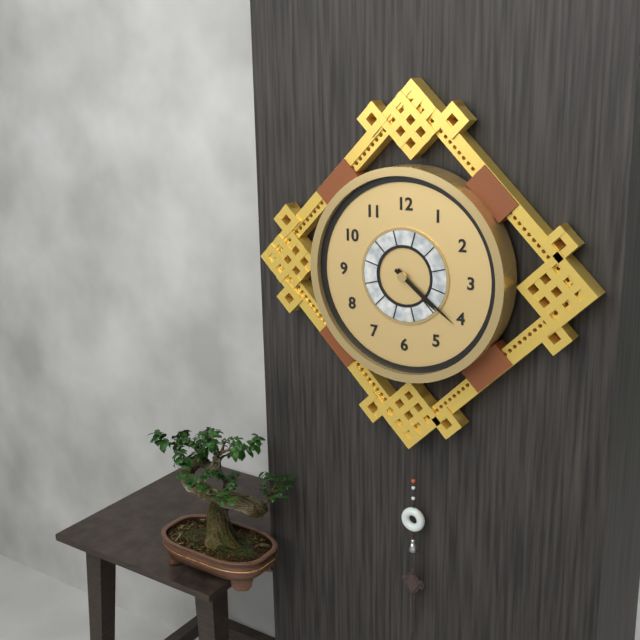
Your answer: **4:21**
